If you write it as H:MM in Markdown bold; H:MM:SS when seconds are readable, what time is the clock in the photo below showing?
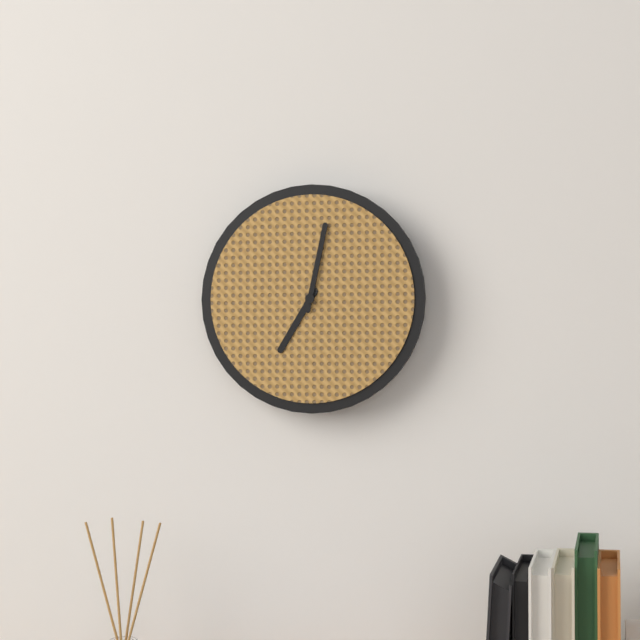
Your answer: **7:02**
